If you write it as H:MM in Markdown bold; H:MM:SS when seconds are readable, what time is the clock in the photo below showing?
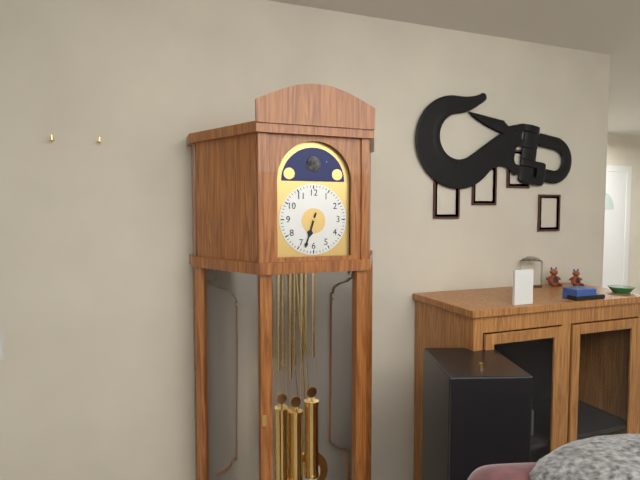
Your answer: **6:33**
